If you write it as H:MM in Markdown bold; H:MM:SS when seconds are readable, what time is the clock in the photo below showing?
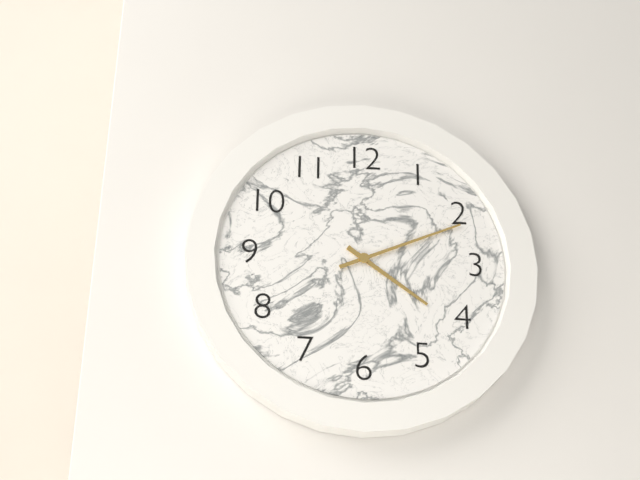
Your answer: **4:11**
